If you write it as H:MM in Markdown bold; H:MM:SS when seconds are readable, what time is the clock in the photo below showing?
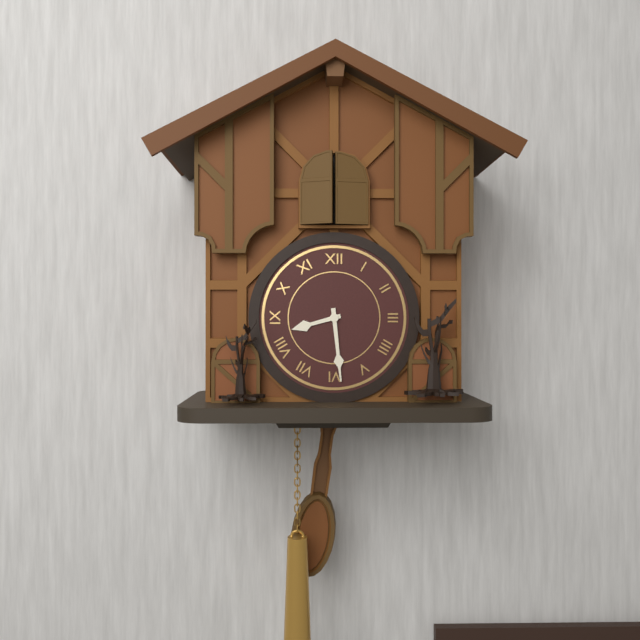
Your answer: **8:29**
